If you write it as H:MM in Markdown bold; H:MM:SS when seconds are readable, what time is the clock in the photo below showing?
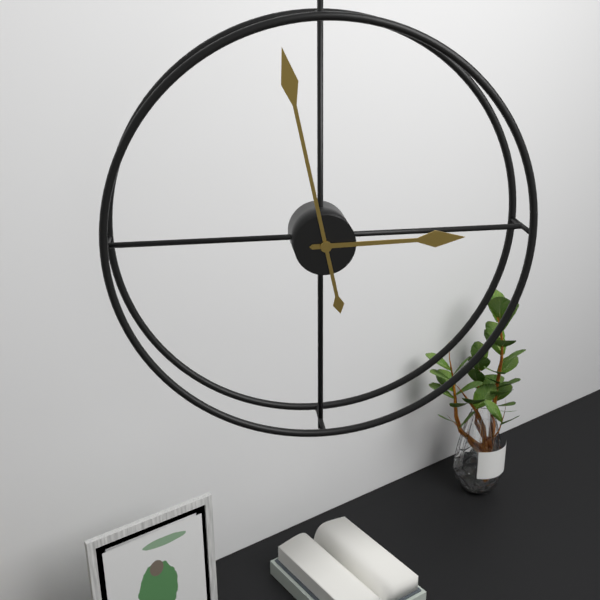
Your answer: **2:58**
